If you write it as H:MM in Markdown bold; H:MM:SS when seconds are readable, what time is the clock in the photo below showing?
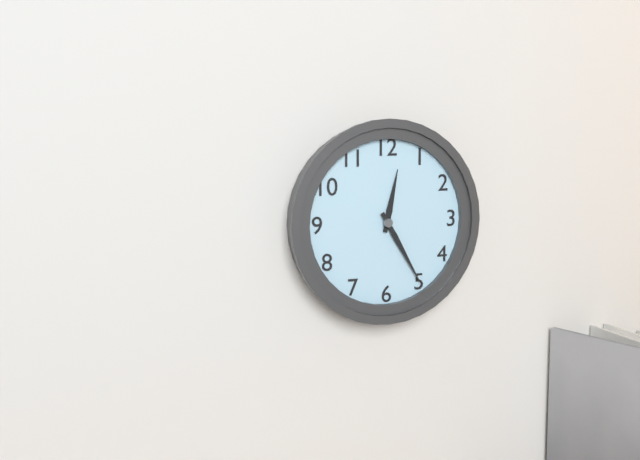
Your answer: **12:25**
